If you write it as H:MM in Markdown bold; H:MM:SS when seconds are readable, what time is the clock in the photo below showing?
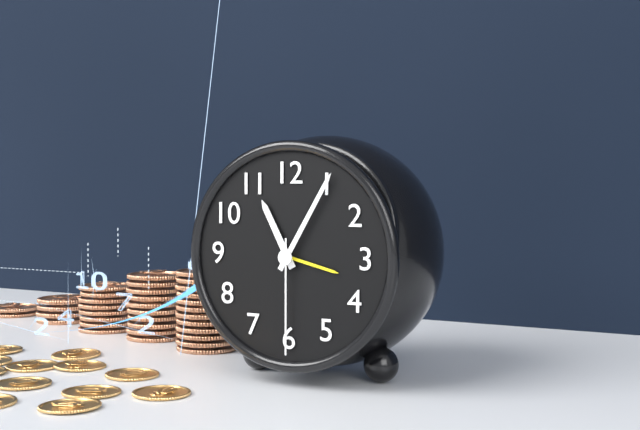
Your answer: **11:05:30**
